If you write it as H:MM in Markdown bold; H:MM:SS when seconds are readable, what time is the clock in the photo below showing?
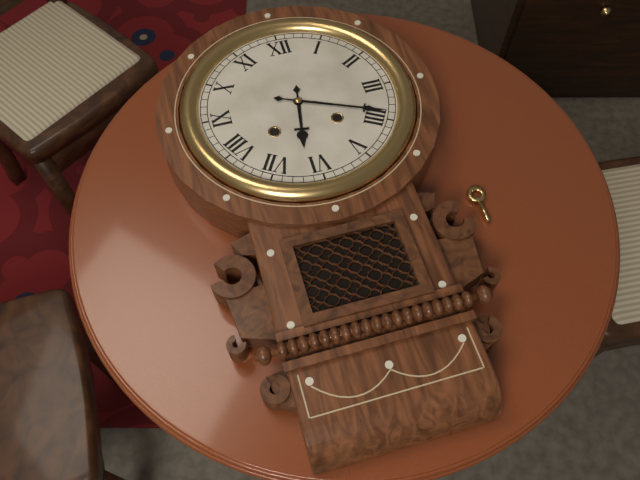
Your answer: **6:19**
